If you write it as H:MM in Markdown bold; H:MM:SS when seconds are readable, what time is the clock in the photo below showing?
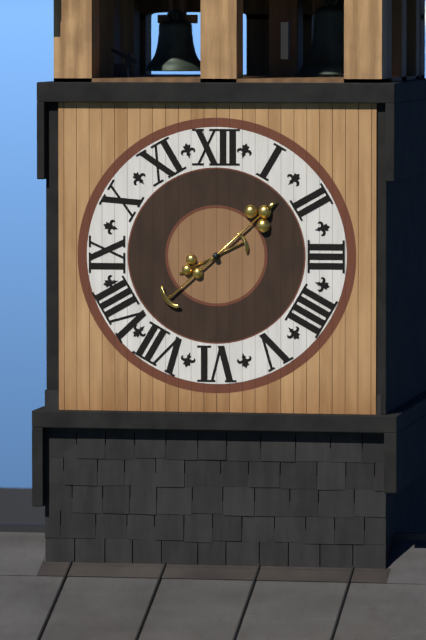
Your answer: **8:08**
